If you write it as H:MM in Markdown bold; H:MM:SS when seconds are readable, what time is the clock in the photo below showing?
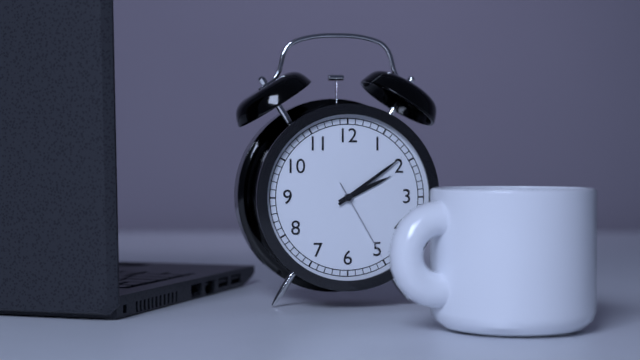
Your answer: **2:09:25**
